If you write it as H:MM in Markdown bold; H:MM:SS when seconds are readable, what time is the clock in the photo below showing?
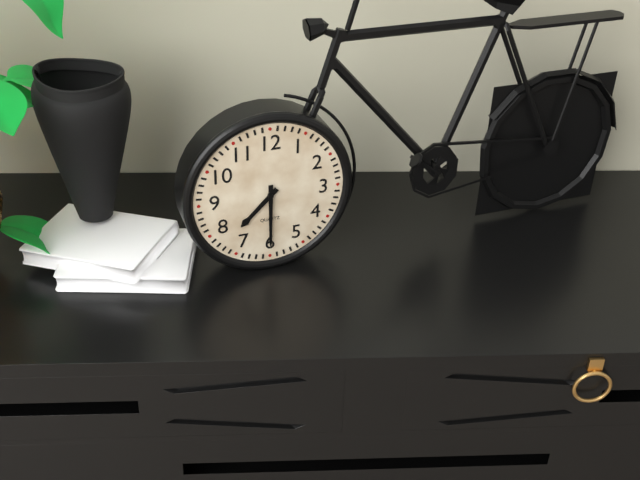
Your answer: **7:30**
